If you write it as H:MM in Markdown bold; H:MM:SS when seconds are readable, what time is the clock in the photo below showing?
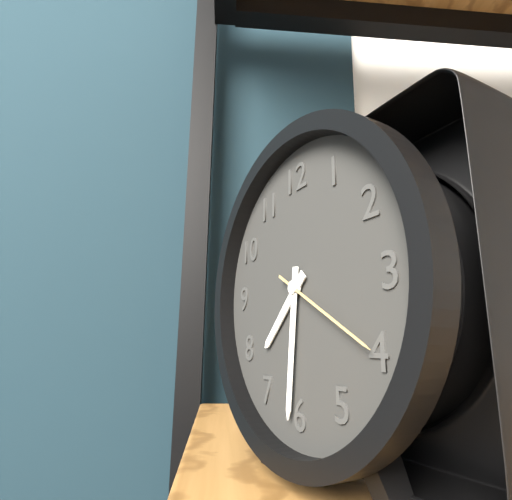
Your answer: **7:31:20**
